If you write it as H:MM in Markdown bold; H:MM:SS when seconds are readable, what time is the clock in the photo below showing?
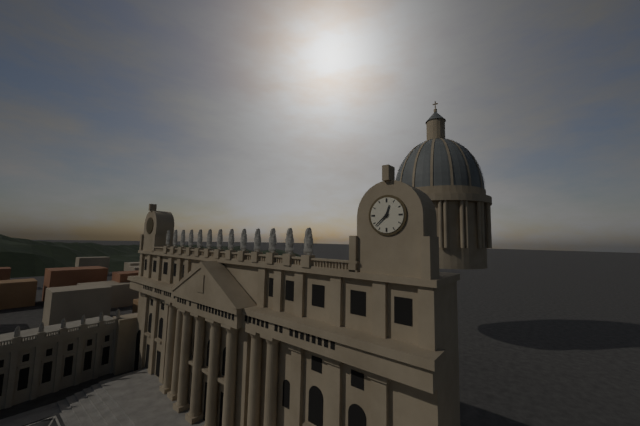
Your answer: **12:38**
